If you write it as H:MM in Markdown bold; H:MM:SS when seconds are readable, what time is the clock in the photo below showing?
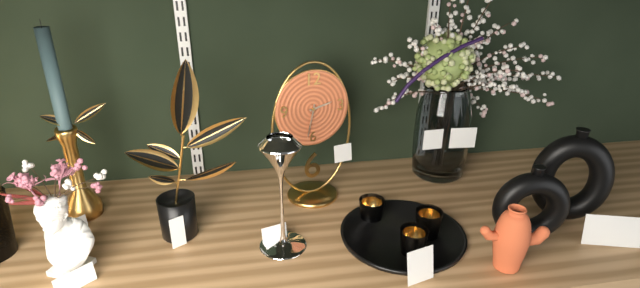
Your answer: **2:32**
